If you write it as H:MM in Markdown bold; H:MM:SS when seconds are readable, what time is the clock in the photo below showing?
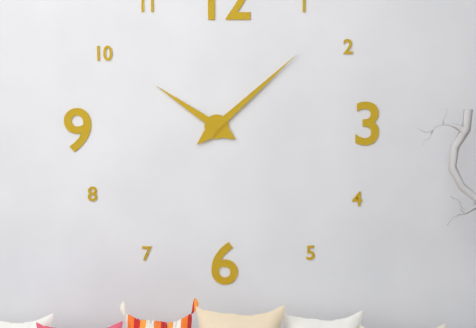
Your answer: **10:08**
